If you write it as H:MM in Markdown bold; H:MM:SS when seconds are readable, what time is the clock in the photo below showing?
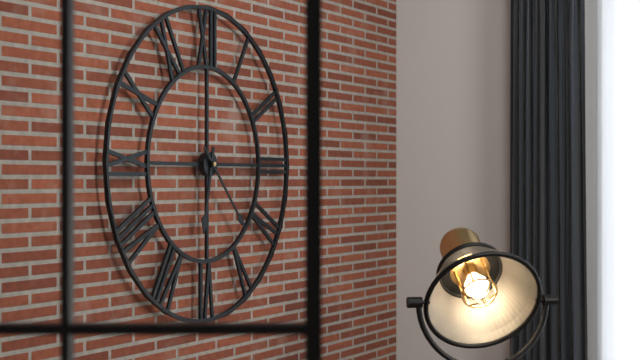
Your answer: **6:23**
